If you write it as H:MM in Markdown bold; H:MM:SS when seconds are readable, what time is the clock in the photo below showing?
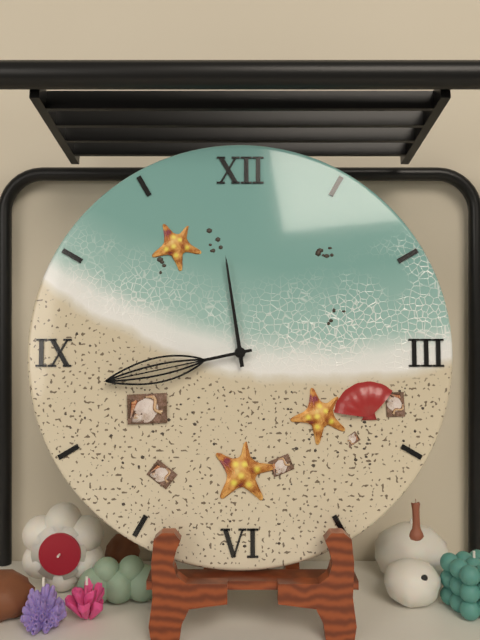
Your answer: **11:43**
